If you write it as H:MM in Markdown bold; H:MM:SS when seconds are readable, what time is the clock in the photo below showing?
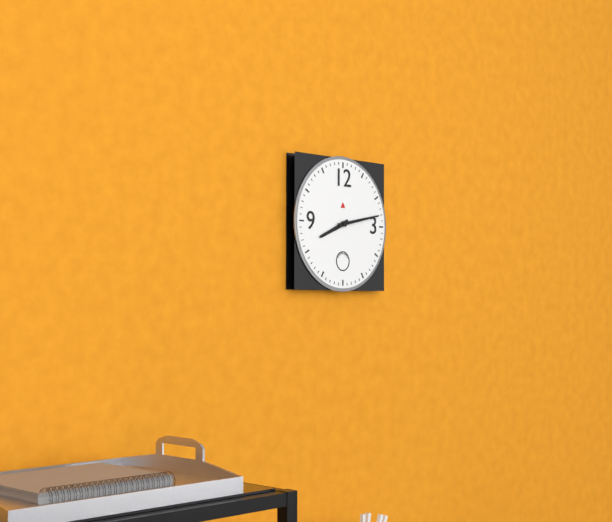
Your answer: **8:13**
